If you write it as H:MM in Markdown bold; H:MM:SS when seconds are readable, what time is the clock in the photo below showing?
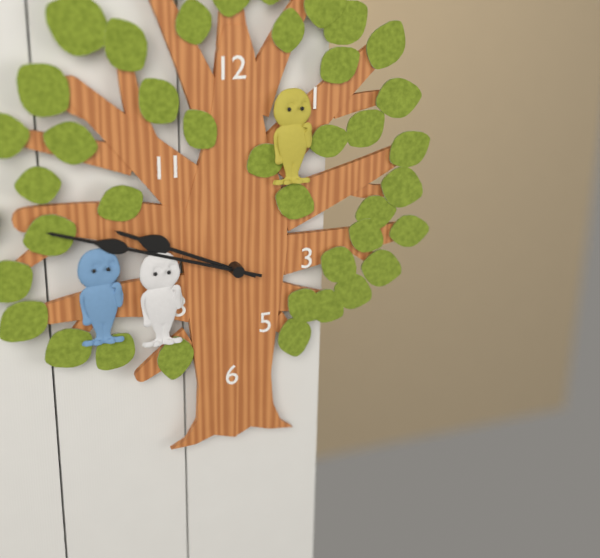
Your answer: **9:48**
